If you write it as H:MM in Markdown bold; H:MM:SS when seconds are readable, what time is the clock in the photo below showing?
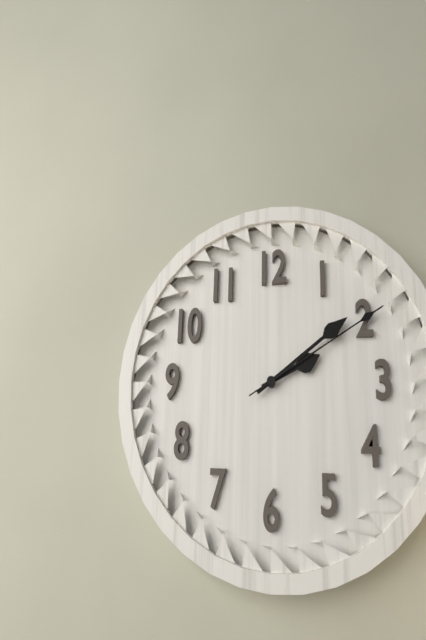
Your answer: **2:09:10**
